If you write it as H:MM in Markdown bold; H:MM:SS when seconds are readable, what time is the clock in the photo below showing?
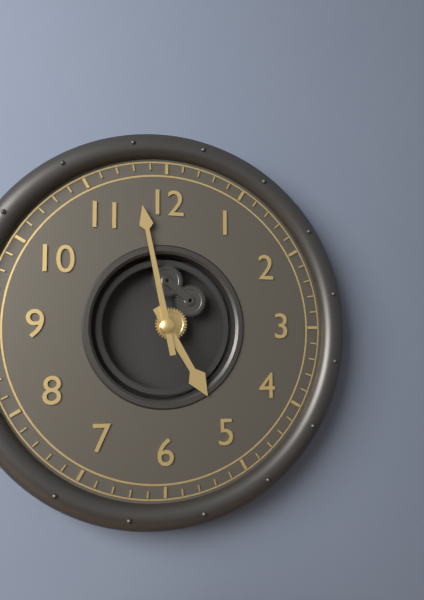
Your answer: **4:58**
